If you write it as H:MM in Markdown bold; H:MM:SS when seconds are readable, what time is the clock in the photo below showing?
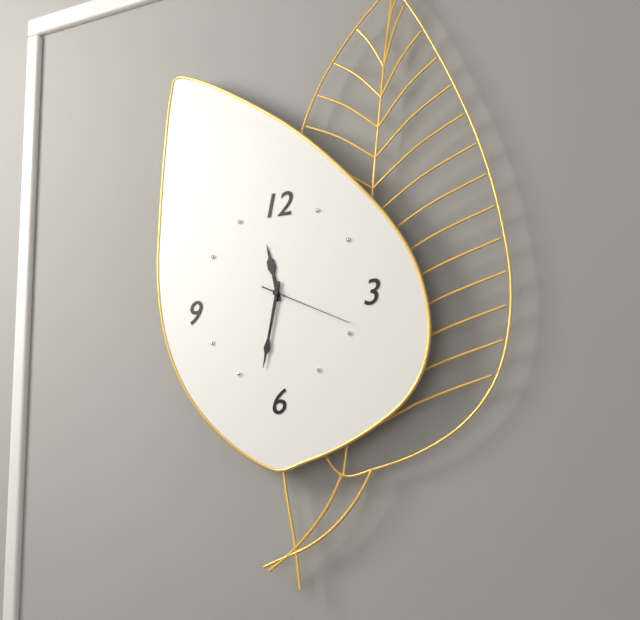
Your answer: **11:32:19**
